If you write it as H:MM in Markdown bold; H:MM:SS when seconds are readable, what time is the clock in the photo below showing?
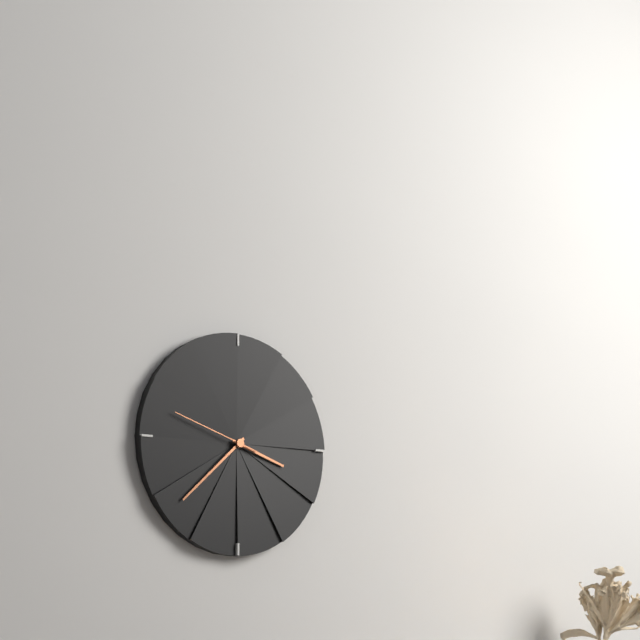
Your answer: **3:38:48**
